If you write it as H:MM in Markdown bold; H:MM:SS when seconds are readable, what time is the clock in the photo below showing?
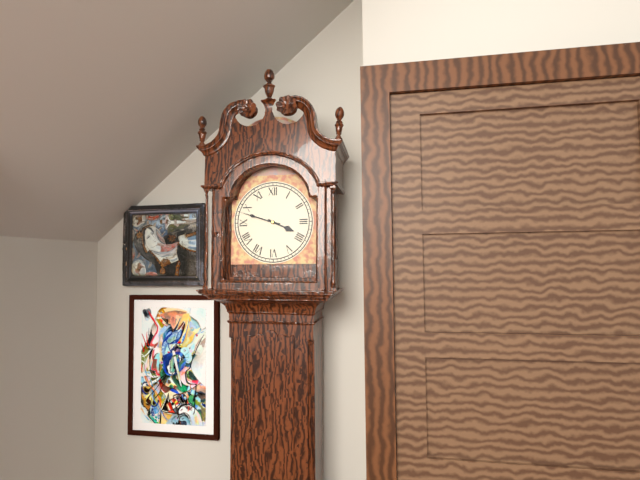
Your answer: **3:48**
